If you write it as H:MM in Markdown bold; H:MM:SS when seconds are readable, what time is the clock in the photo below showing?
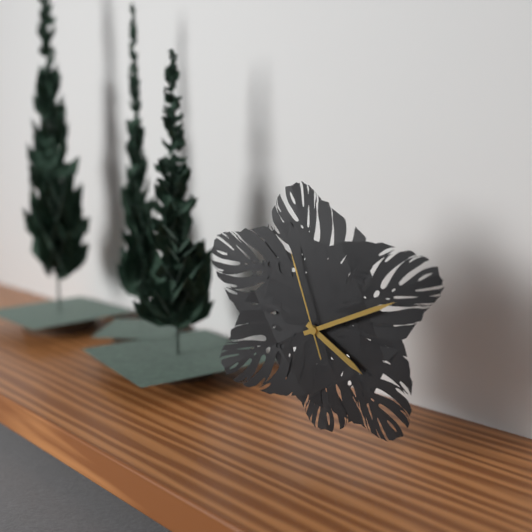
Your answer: **4:11:57**
